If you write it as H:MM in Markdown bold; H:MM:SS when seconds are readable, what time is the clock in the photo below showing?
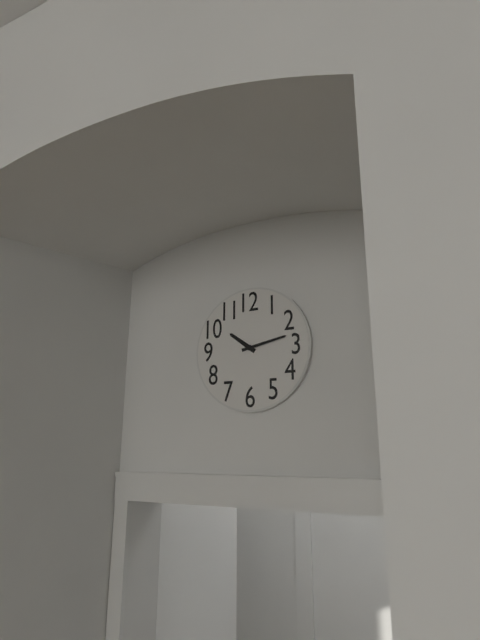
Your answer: **10:13**
